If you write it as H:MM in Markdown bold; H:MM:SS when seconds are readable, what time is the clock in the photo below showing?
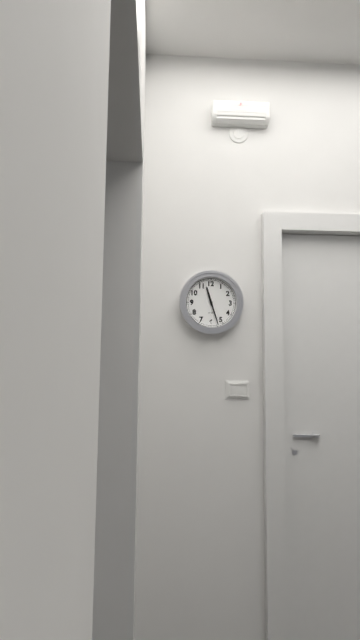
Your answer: **11:27**
